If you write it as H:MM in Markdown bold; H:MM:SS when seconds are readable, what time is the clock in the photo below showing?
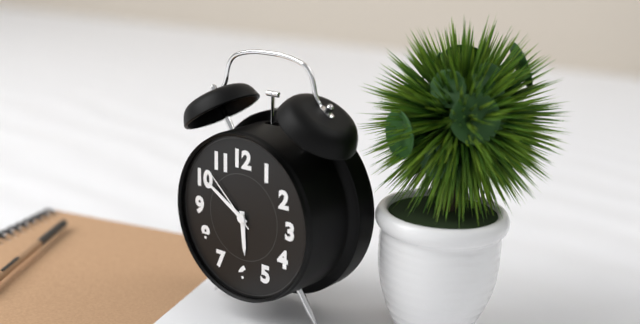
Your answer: **5:50:52**
